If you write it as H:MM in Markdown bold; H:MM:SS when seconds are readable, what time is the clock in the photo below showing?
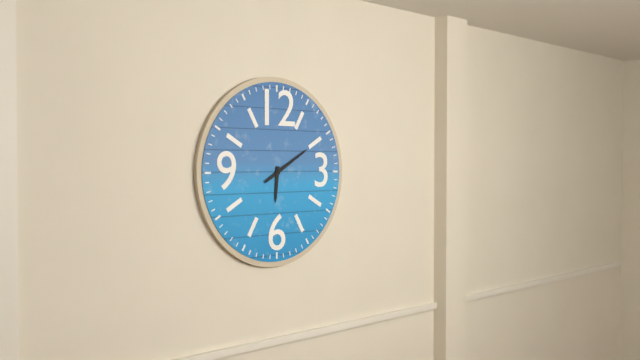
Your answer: **6:10**
